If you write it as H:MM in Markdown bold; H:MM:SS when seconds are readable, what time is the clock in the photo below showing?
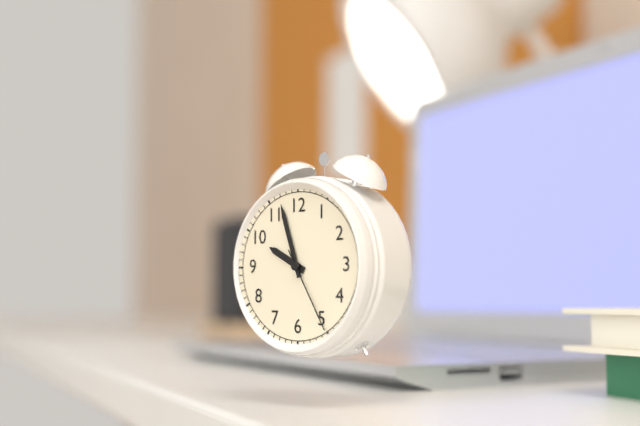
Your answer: **9:57:25**
